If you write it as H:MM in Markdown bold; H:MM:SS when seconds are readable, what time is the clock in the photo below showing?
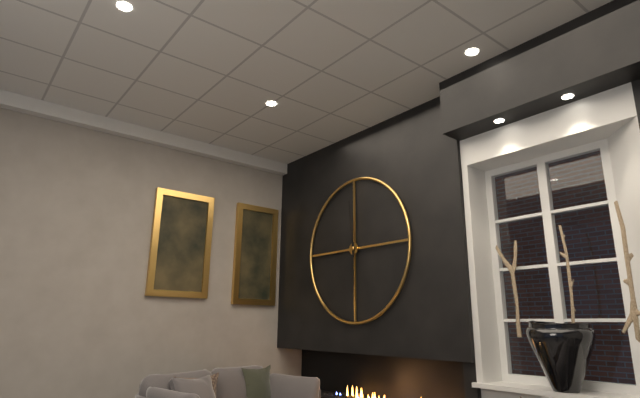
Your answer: **5:59**
